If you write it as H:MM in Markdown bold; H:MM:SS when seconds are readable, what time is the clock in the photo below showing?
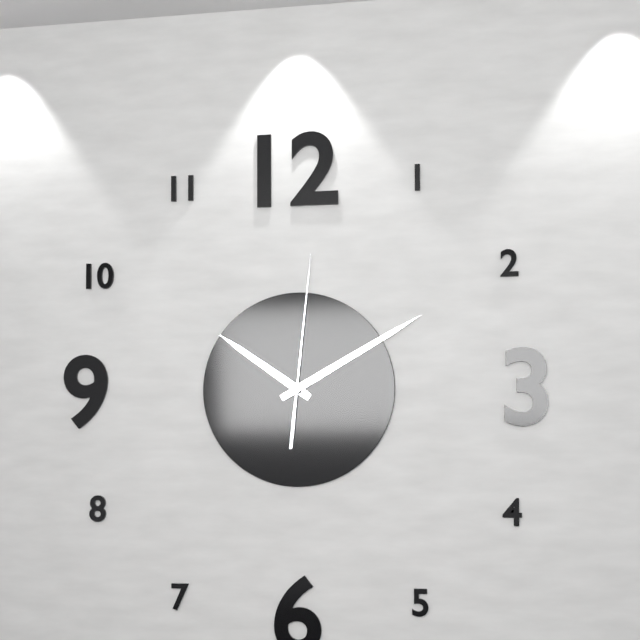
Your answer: **10:10:01**
